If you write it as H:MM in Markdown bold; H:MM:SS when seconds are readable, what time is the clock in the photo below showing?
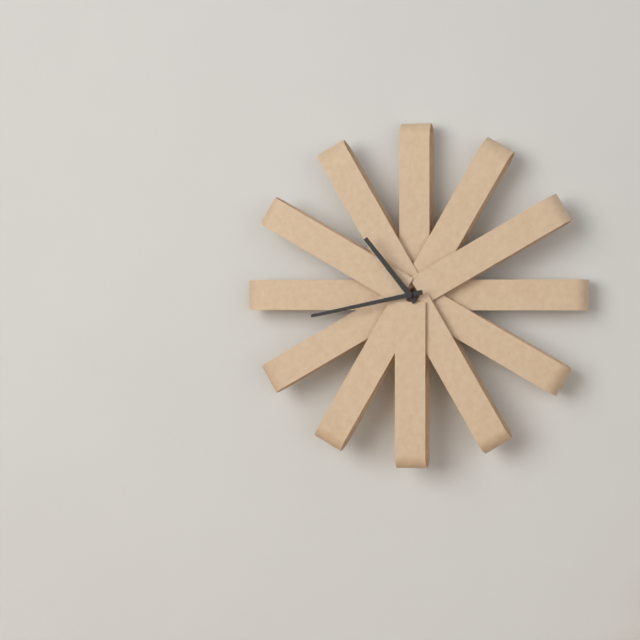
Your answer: **10:43**
